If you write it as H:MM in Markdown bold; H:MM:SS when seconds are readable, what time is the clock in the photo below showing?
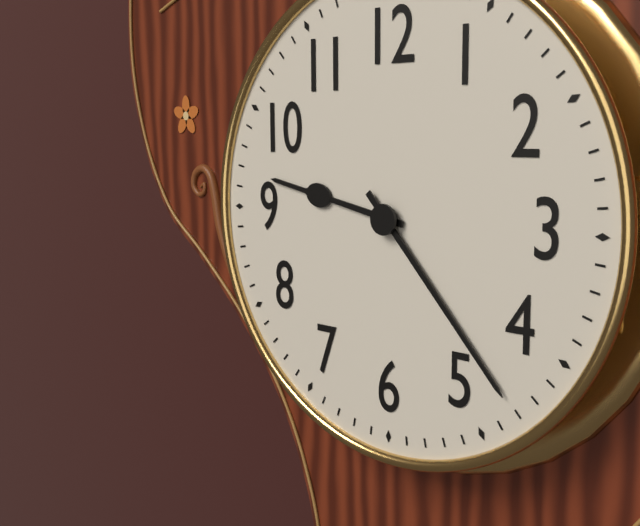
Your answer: **9:23**
